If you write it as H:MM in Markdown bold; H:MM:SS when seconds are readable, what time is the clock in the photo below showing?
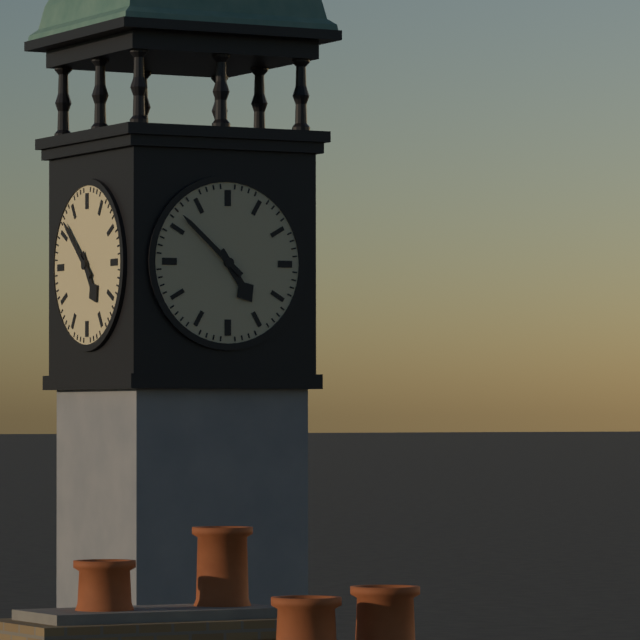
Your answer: **4:52**
